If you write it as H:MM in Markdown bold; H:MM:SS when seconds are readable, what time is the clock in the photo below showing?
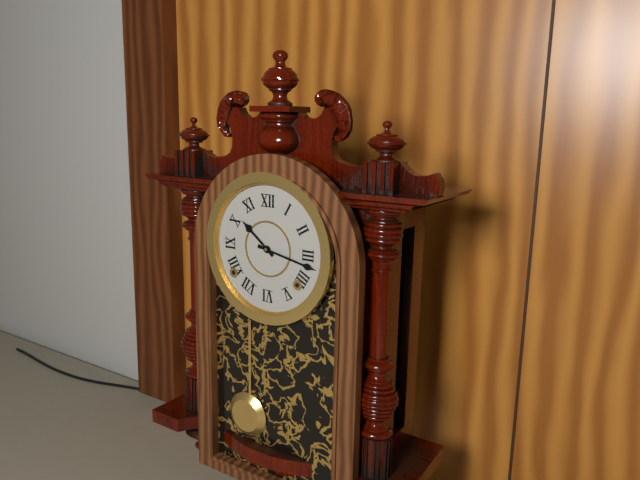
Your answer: **10:17**
